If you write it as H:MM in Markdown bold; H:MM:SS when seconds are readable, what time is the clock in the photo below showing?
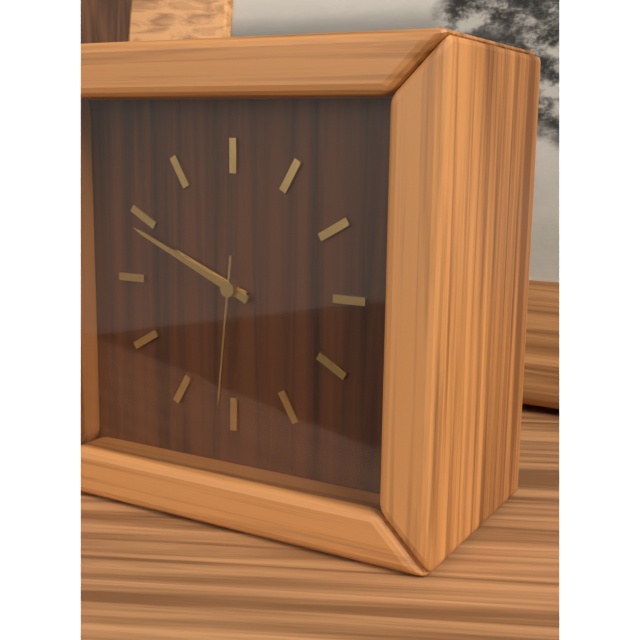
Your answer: **9:49:31**
